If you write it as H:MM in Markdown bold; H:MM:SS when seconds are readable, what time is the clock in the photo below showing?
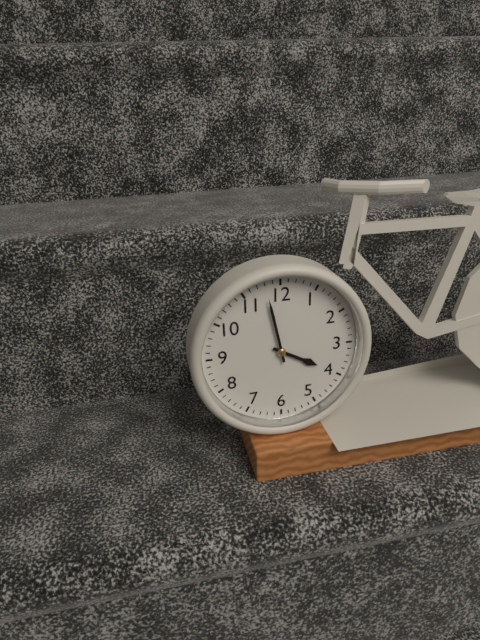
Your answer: **3:58**
